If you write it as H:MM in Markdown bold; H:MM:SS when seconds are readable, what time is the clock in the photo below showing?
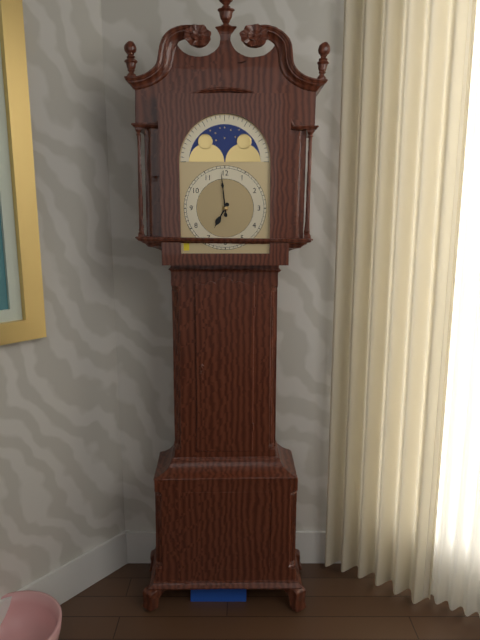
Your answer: **6:59**
